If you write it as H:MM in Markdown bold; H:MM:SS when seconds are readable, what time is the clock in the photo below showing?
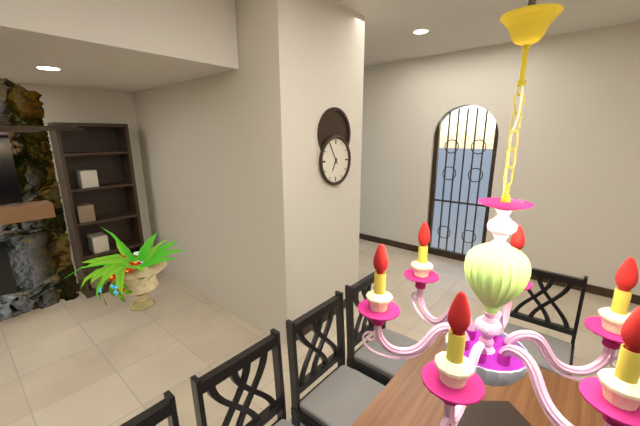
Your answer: **6:55**
